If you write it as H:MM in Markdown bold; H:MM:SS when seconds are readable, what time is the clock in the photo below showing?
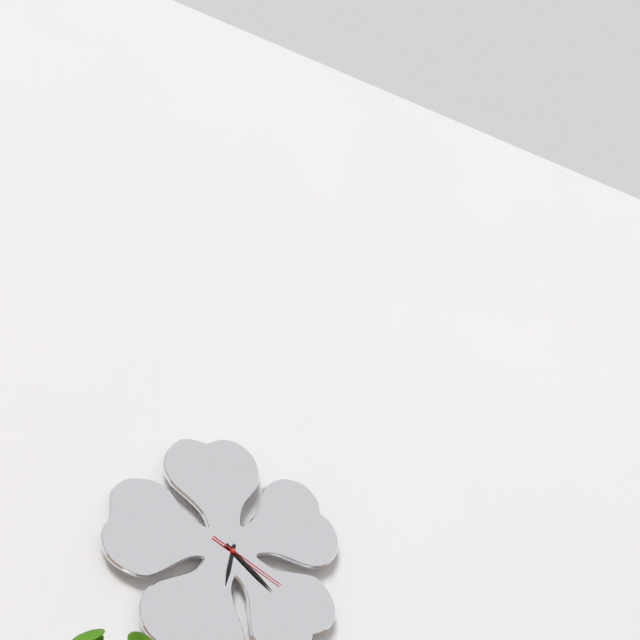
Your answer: **6:22:20**
